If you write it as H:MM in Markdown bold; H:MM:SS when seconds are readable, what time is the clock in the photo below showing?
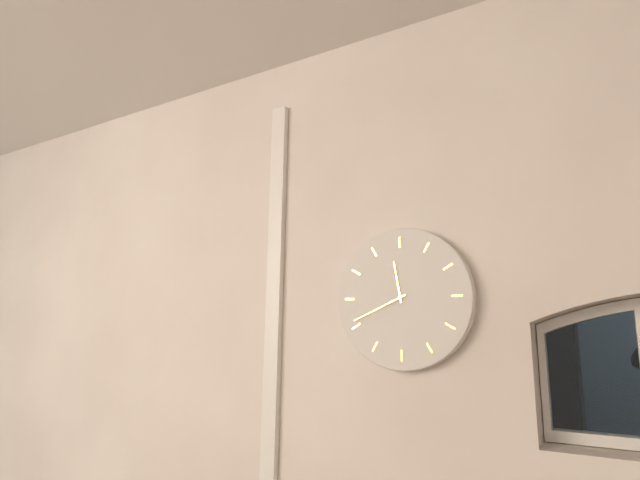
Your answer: **11:41**
